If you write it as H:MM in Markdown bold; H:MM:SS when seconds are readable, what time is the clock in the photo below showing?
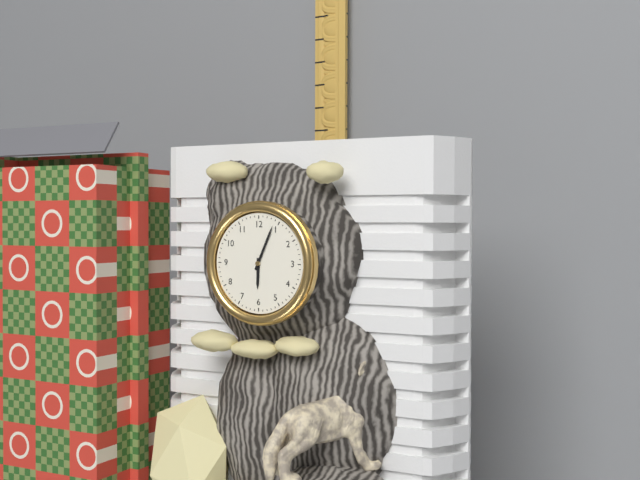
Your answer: **6:04**
